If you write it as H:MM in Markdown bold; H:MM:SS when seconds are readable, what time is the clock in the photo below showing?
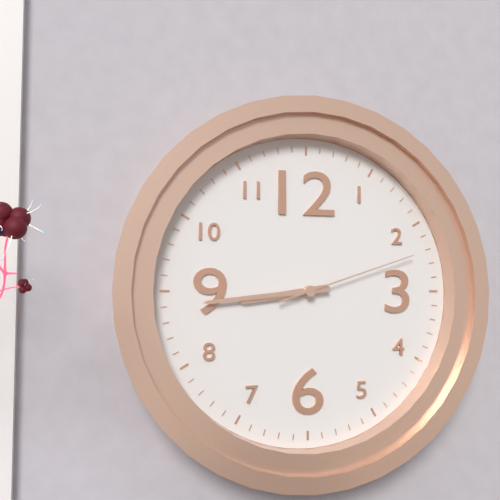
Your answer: **8:44:12**
